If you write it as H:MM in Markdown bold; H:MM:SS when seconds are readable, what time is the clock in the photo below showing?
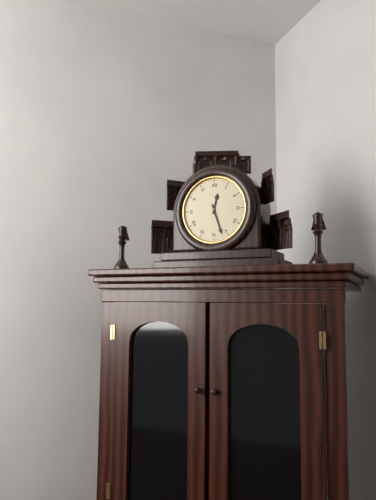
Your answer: **12:27**
